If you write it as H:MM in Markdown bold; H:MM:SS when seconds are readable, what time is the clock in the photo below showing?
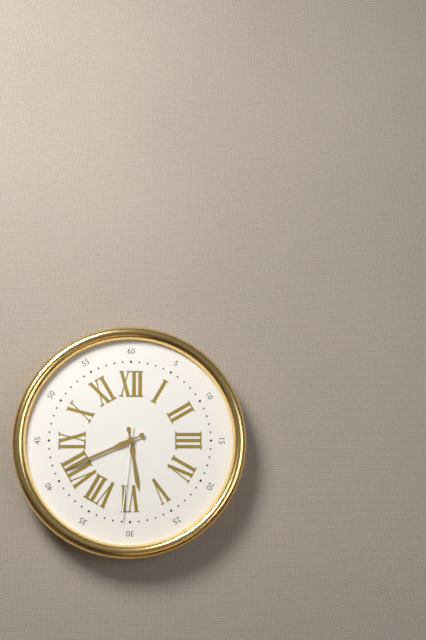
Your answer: **5:41:31**
